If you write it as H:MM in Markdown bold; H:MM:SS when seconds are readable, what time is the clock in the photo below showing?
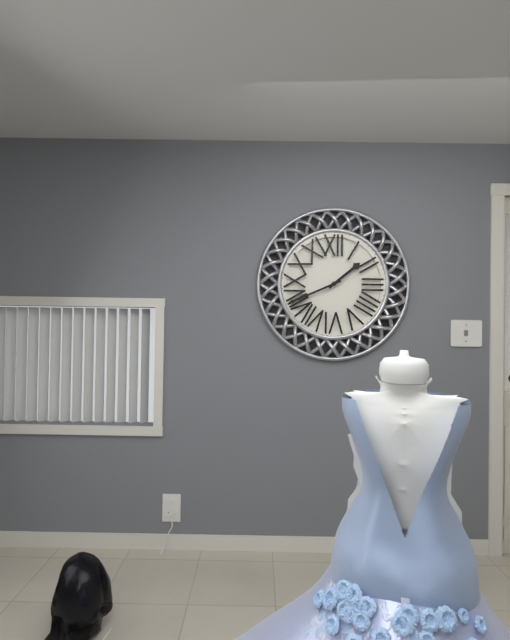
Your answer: **1:41**
